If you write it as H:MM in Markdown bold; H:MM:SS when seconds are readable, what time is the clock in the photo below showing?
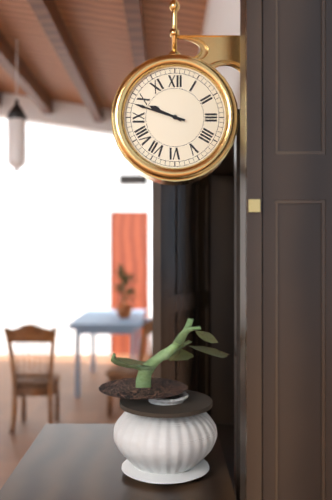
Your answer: **9:48**
